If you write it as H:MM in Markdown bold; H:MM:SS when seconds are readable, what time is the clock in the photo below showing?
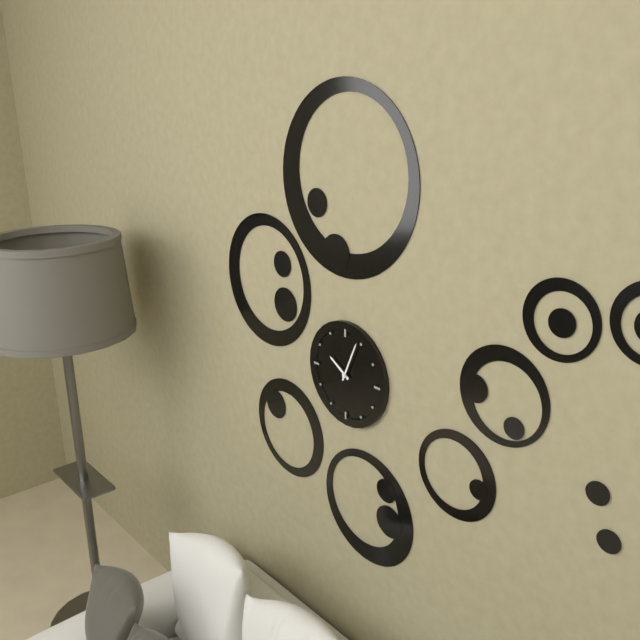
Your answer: **10:04**
